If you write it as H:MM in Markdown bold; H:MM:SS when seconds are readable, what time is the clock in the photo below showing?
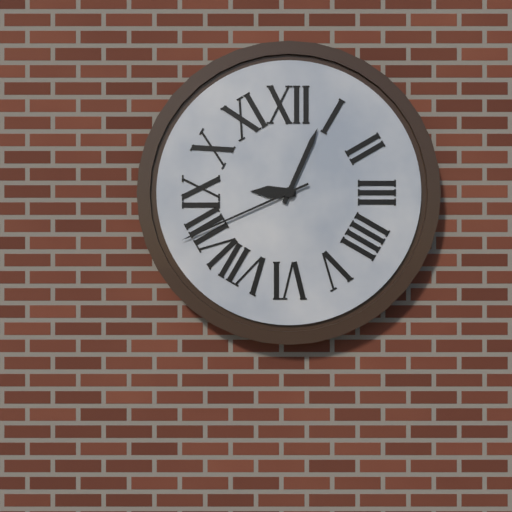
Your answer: **9:04:41**
